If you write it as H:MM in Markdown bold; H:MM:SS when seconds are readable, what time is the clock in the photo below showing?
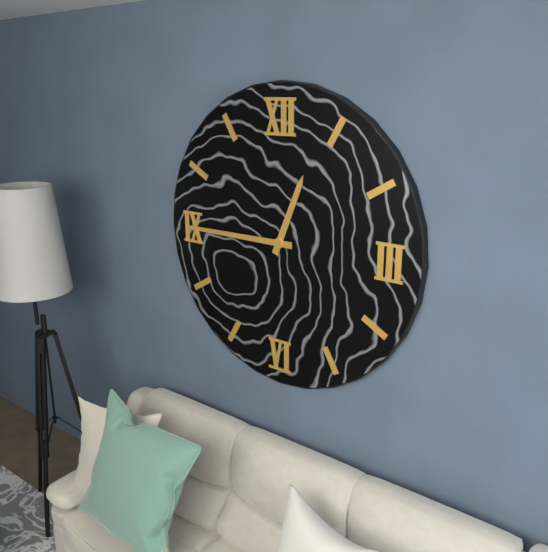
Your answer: **12:45**
